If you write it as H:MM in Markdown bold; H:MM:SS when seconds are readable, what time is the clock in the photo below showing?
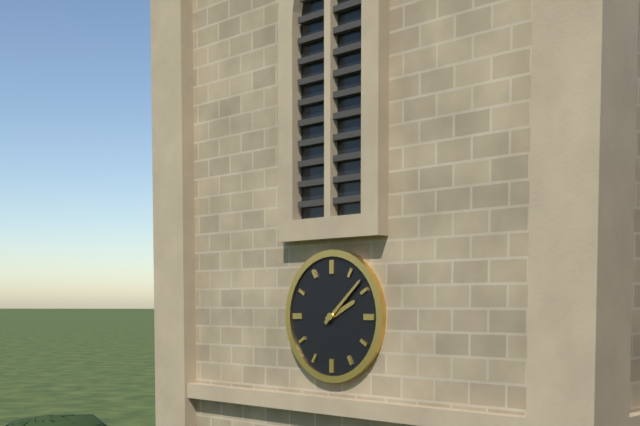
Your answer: **2:08**
